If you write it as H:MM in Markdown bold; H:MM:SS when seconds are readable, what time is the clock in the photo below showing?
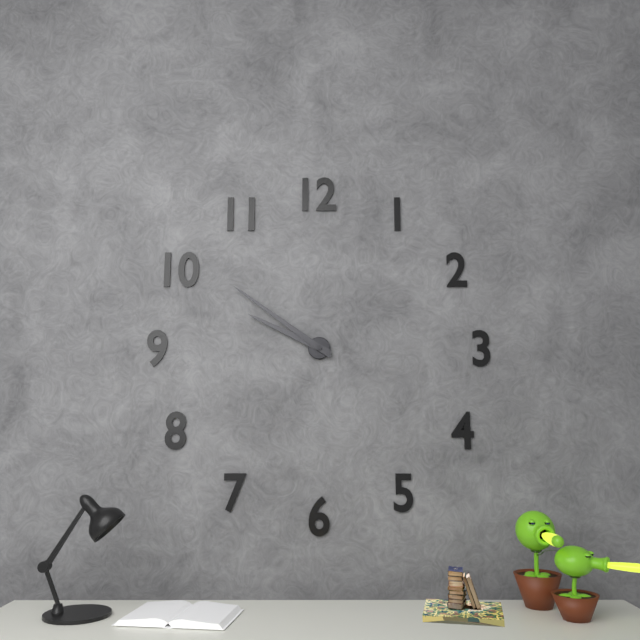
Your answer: **9:51**
